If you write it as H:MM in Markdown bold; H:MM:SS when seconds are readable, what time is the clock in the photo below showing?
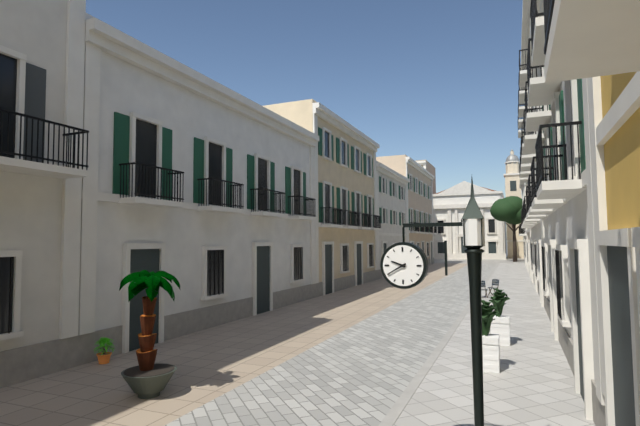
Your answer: **9:40**
